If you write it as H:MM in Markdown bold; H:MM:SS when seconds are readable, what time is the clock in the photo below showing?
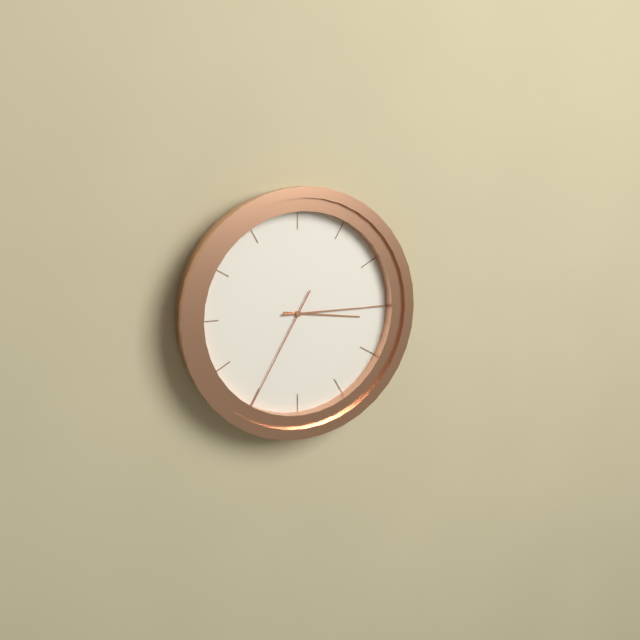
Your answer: **3:15:35**
